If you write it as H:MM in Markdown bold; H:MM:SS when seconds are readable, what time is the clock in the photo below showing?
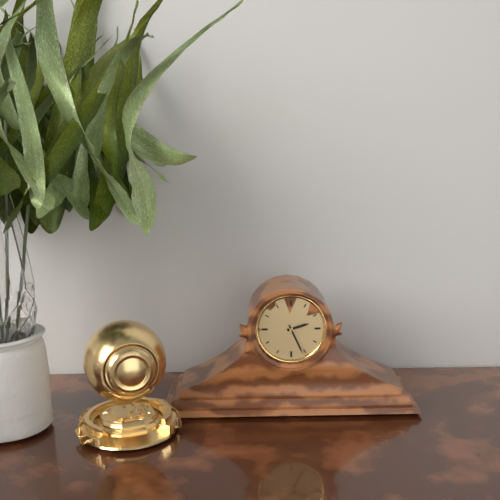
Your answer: **2:26**
